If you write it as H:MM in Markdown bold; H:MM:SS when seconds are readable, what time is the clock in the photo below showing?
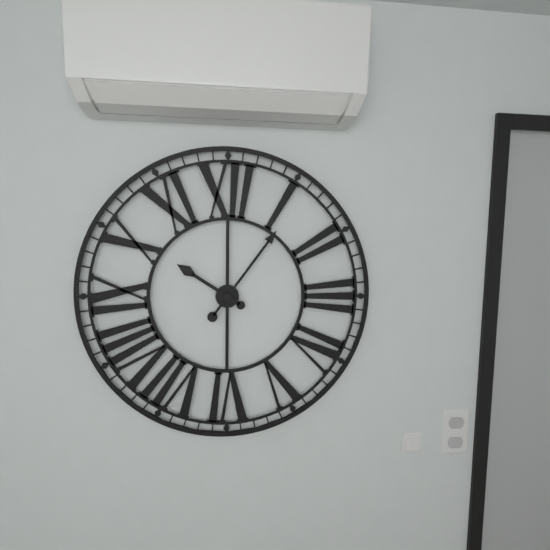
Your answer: **10:06**
